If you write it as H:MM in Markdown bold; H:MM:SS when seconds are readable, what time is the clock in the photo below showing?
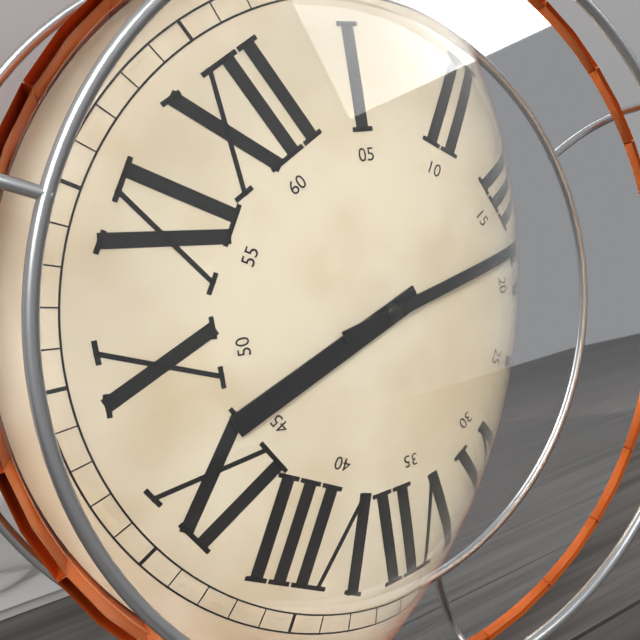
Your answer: **9:18**
